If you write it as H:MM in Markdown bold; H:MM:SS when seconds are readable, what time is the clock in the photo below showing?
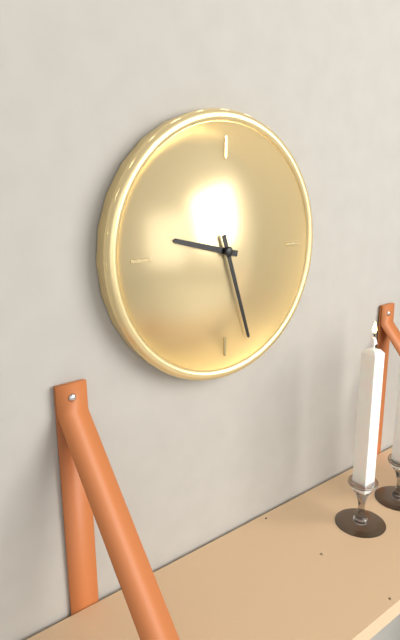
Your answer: **9:27**
